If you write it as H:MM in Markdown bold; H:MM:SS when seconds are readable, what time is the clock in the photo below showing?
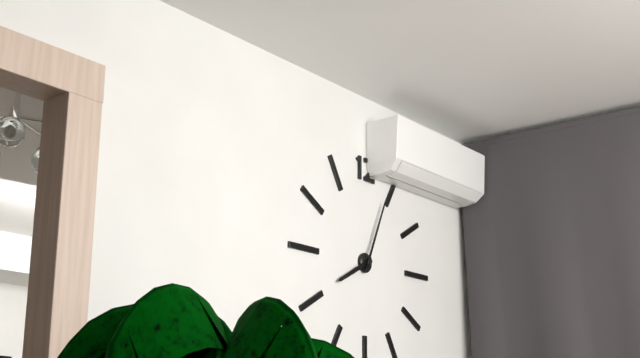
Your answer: **8:04**
